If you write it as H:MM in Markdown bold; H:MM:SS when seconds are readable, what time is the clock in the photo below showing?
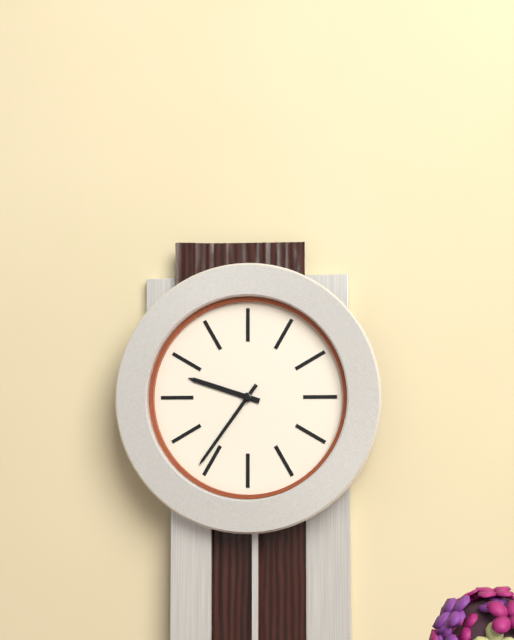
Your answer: **9:36**
